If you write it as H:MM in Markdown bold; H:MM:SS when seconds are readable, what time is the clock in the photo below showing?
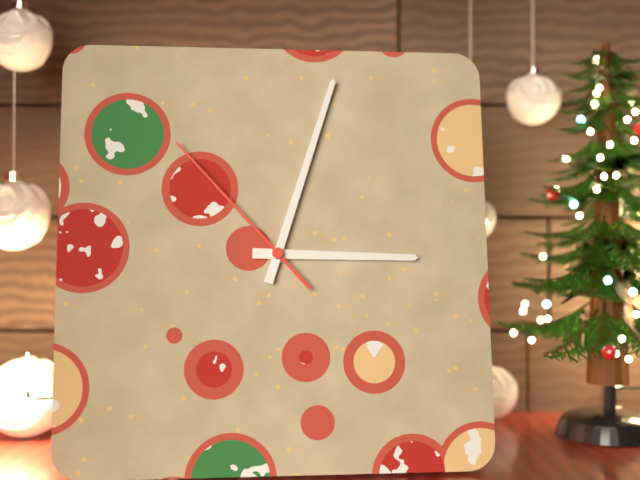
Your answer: **3:03:53**
